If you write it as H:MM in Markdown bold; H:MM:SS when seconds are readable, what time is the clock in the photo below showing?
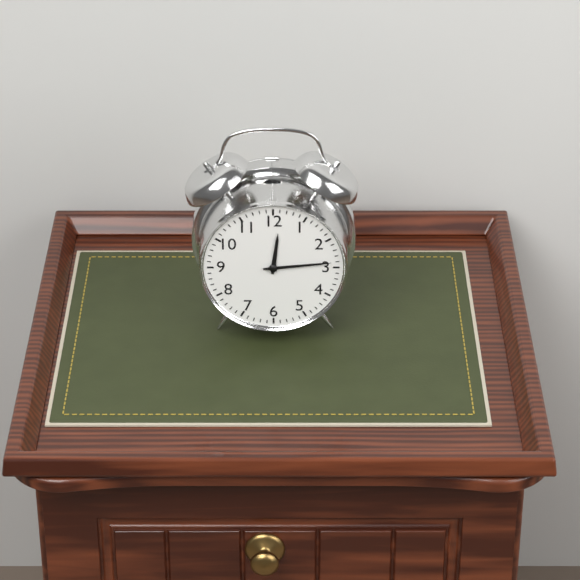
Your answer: **12:14**
